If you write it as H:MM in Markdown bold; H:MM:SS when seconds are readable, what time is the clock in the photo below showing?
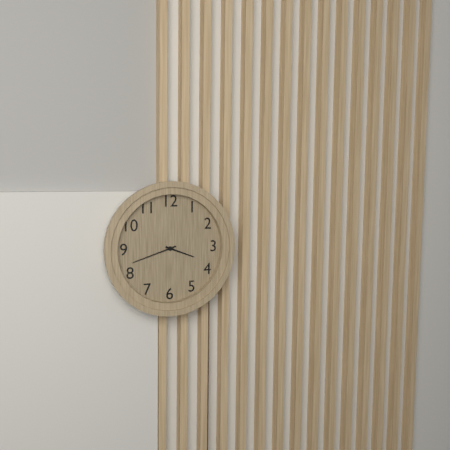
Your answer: **3:42**
